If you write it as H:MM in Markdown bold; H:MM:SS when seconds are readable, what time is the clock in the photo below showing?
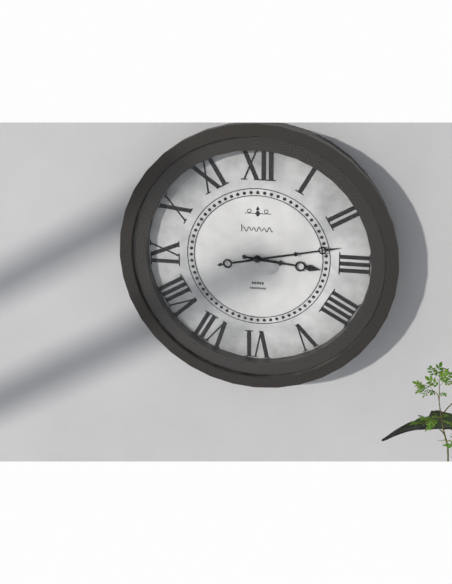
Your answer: **3:13**
